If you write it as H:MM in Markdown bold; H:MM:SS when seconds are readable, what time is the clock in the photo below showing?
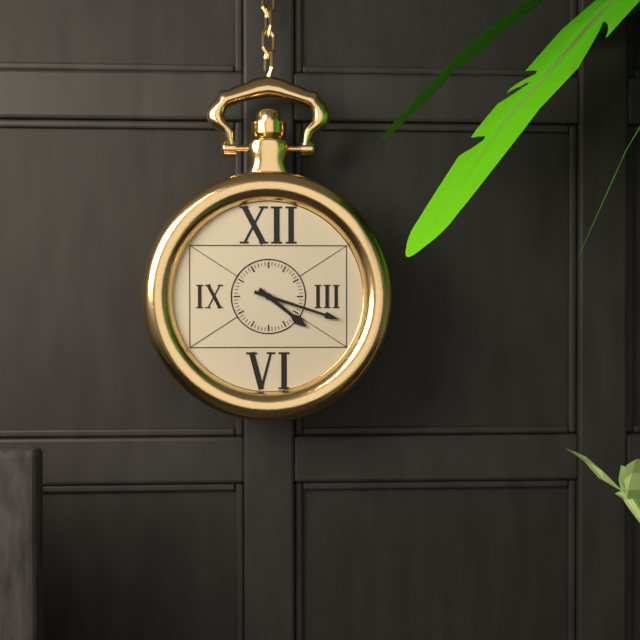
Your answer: **4:18**
